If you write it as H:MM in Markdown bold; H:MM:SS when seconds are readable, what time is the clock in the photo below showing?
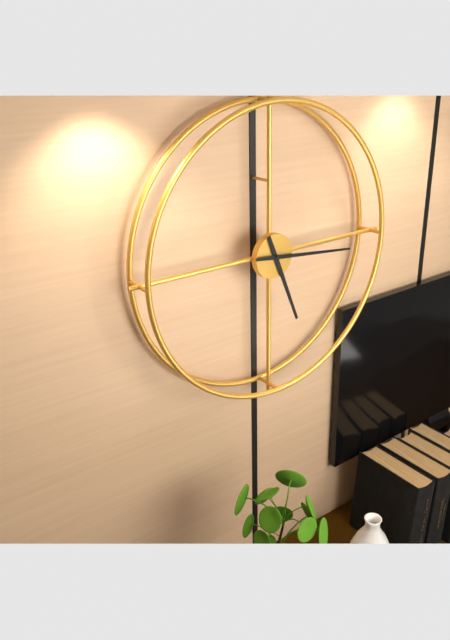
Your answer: **5:16**
